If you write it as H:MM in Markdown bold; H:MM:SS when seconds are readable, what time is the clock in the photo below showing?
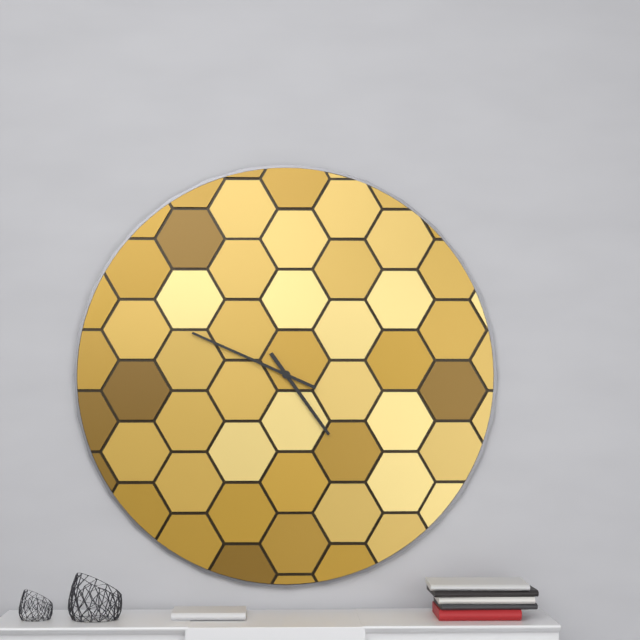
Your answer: **4:49**
